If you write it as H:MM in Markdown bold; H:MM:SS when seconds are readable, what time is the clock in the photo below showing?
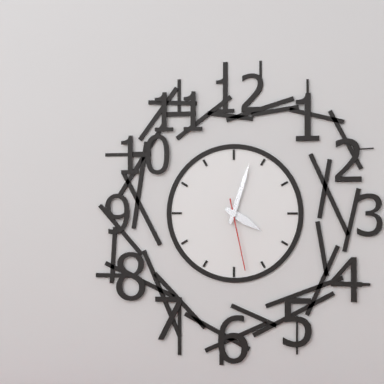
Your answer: **4:03:28**
